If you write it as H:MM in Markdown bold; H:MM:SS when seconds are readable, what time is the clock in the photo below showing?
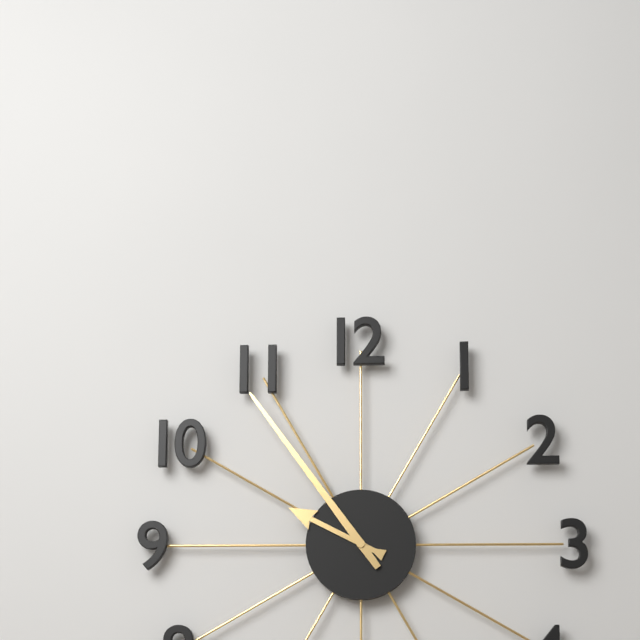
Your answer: **9:54**
